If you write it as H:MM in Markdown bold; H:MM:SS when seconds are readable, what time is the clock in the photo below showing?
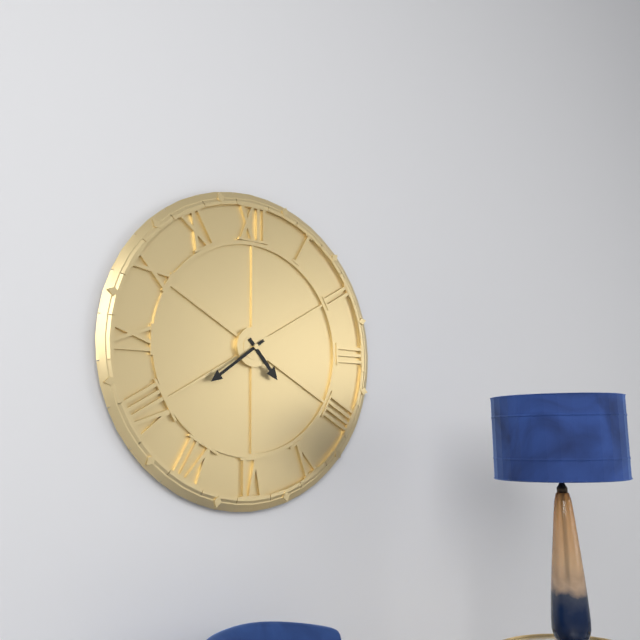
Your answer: **4:39**
